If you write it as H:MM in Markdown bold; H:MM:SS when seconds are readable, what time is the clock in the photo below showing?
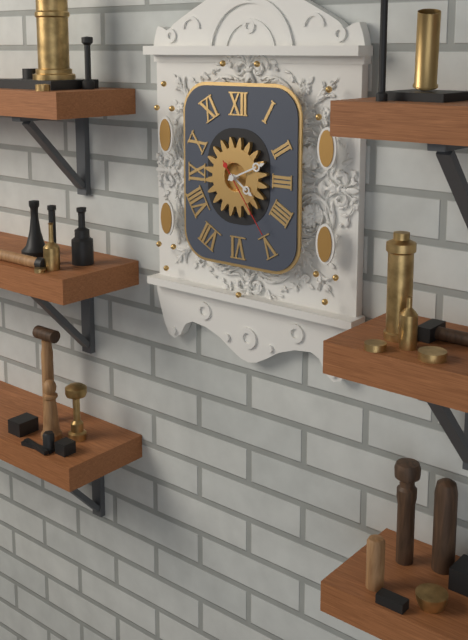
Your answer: **4:11:24**
